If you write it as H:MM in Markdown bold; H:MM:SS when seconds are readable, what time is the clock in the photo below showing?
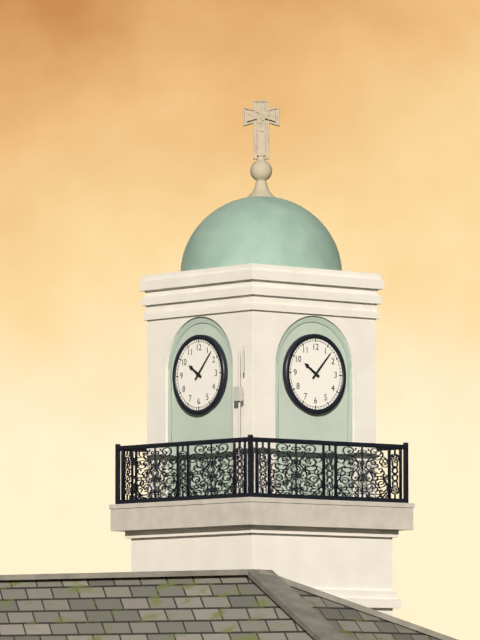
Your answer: **10:07**
